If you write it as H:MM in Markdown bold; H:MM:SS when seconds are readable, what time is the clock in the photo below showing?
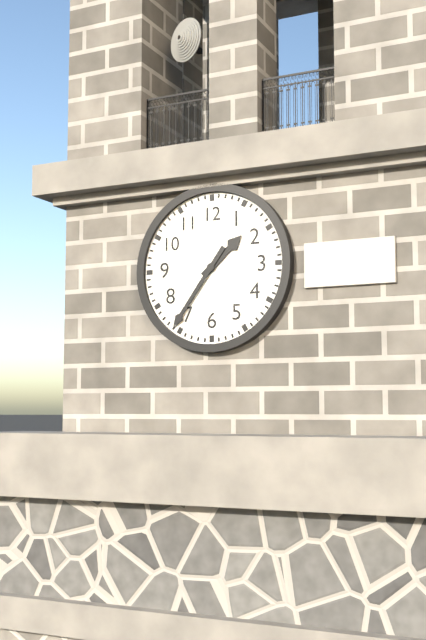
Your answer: **1:36**
